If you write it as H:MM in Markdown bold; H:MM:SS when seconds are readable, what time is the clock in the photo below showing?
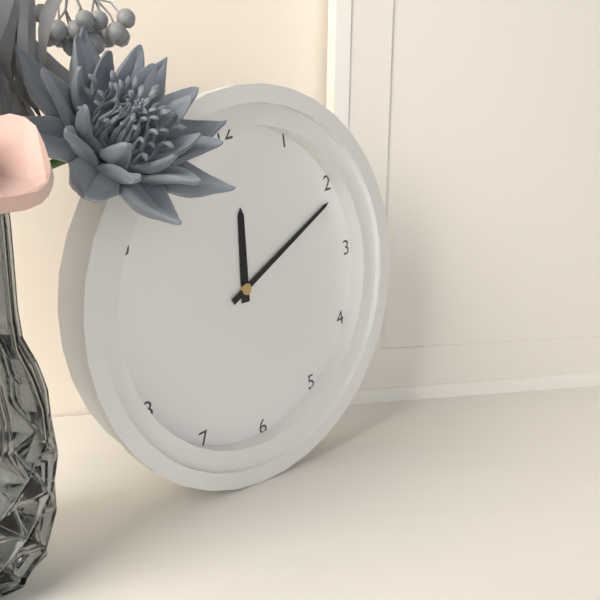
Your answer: **12:11**
